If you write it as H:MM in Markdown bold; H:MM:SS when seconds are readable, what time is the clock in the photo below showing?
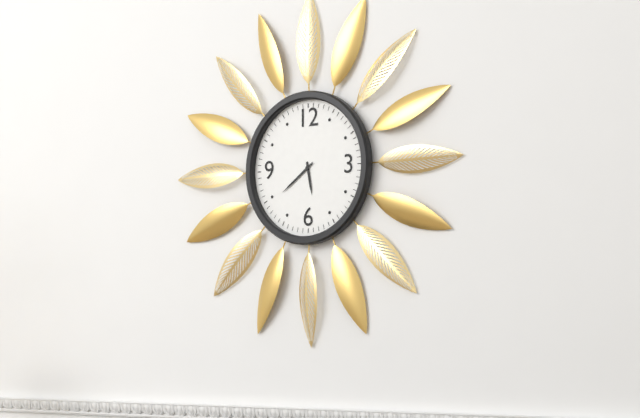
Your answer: **5:39**
